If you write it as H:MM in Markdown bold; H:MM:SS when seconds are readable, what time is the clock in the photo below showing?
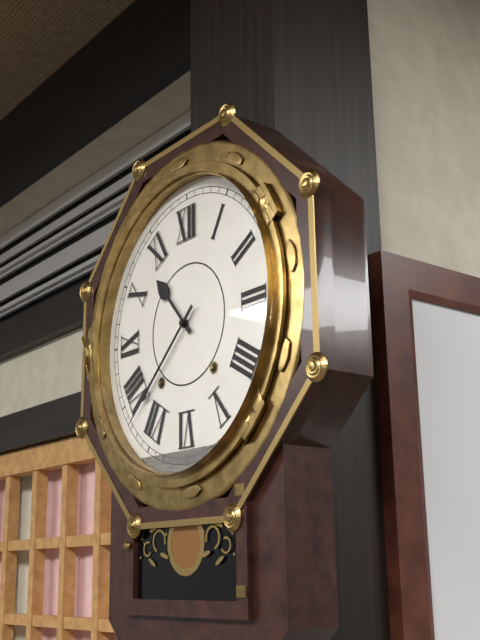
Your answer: **10:38**
